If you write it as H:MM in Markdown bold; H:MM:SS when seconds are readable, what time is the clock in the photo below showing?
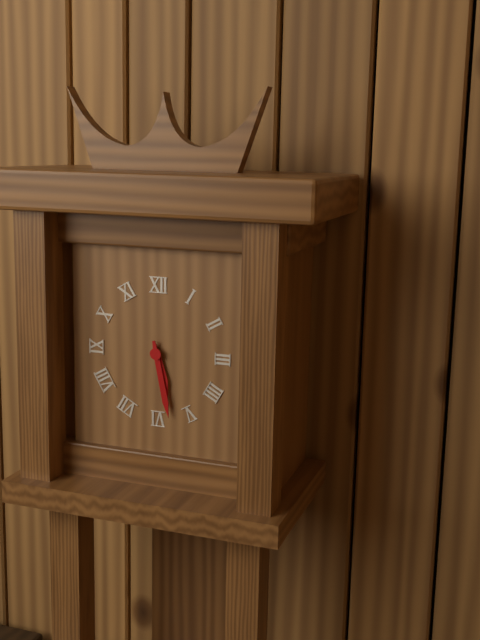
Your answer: **5:28**
